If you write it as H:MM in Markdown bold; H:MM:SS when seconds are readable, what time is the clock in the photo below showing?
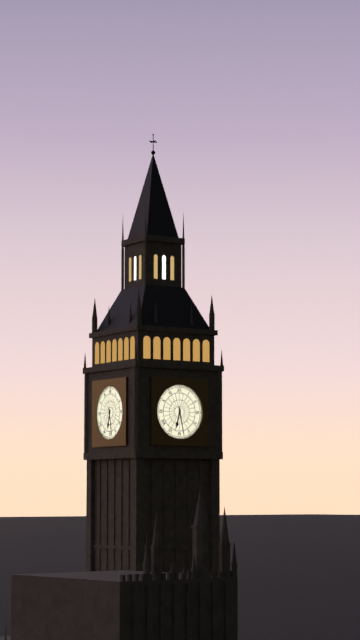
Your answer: **6:28**
